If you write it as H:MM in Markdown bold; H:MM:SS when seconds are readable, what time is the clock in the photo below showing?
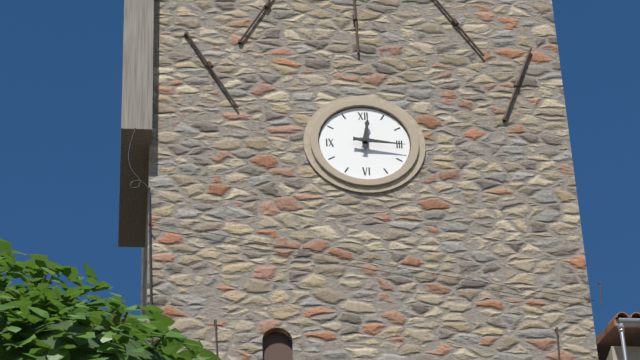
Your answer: **12:16**
